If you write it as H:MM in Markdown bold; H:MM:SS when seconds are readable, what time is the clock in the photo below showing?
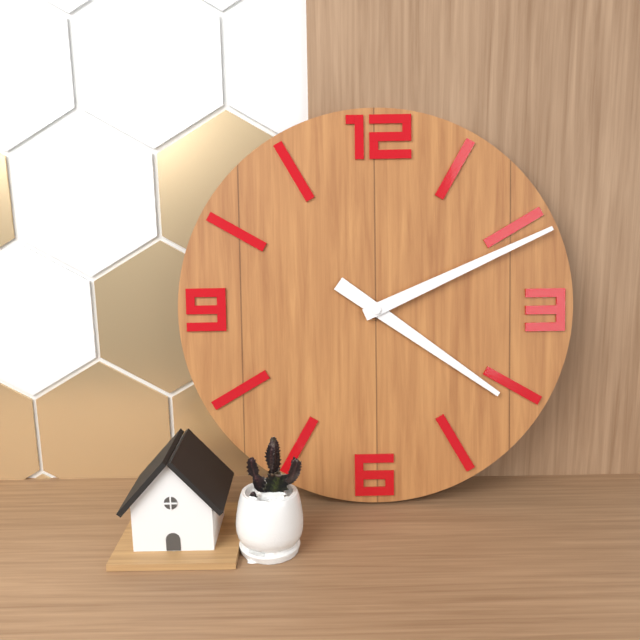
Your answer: **4:11**
